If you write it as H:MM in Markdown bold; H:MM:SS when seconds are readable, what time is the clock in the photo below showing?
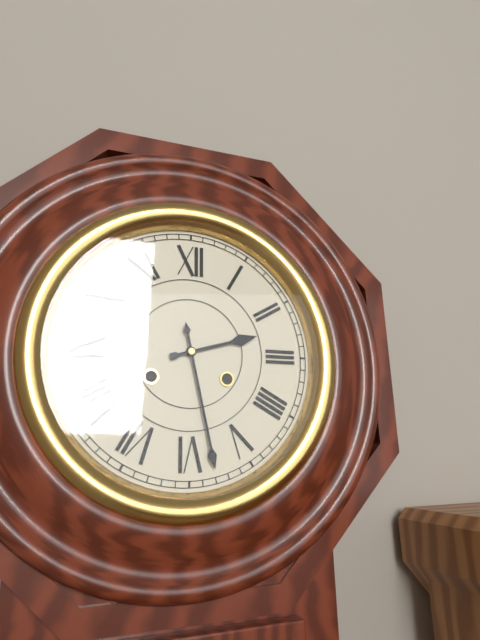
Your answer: **2:28**
